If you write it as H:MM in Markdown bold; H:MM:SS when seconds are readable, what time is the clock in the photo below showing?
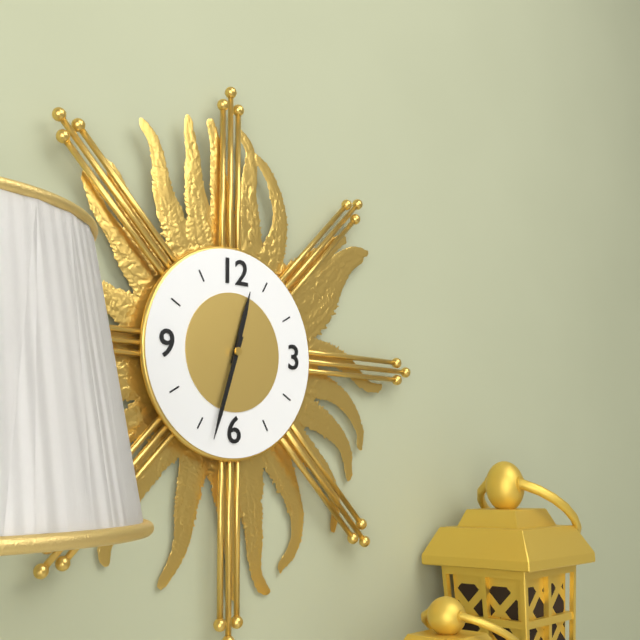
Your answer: **12:33**
